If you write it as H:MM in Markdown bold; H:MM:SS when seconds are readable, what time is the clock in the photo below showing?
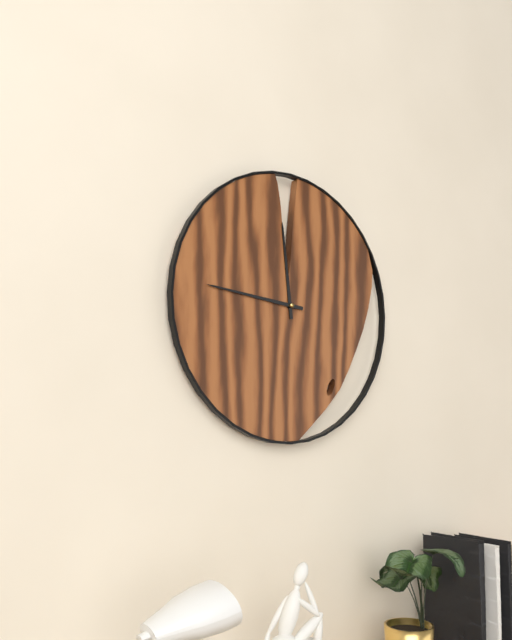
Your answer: **11:46**
